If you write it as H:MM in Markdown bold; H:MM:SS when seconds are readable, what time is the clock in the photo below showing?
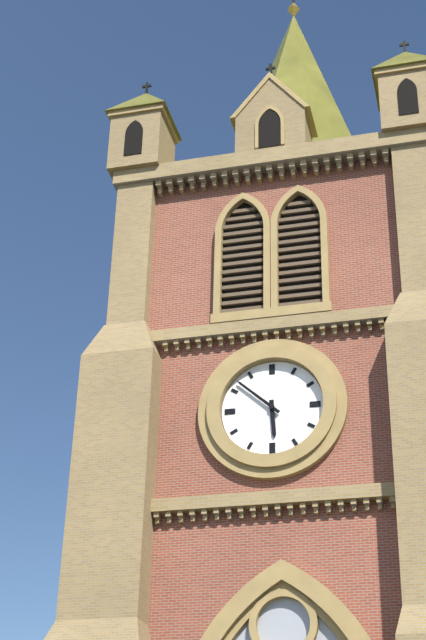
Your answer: **5:52**
